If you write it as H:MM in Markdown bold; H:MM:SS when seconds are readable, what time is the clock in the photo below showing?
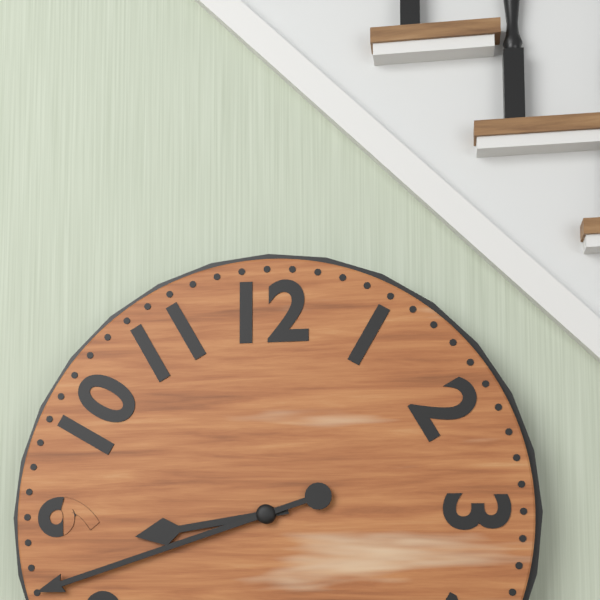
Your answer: **8:42**
